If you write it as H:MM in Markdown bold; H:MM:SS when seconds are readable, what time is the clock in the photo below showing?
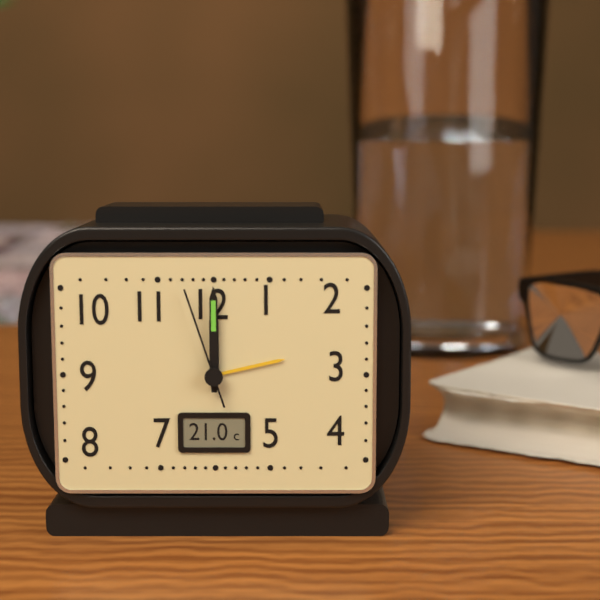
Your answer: **12:00:57**
